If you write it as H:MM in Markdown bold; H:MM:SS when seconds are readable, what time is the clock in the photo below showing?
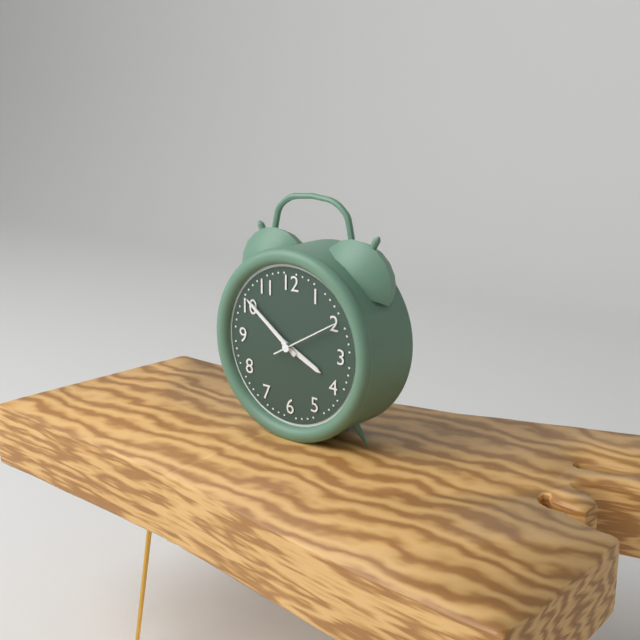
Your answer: **3:51:10**
